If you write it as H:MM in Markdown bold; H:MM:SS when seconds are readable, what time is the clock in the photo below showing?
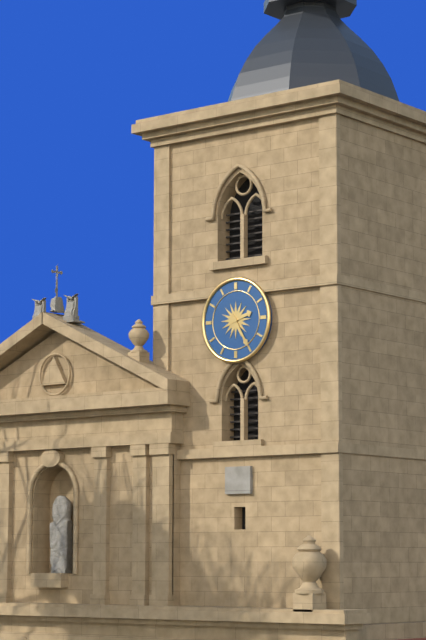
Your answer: **2:25**
